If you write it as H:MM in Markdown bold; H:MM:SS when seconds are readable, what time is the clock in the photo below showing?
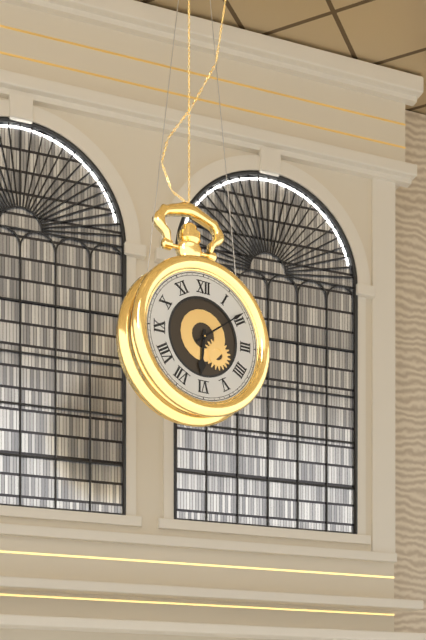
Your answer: **6:09**
